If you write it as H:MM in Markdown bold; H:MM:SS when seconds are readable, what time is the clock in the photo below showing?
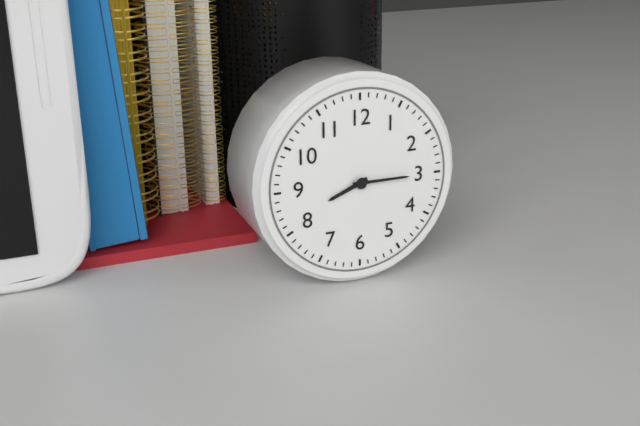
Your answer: **8:15**
